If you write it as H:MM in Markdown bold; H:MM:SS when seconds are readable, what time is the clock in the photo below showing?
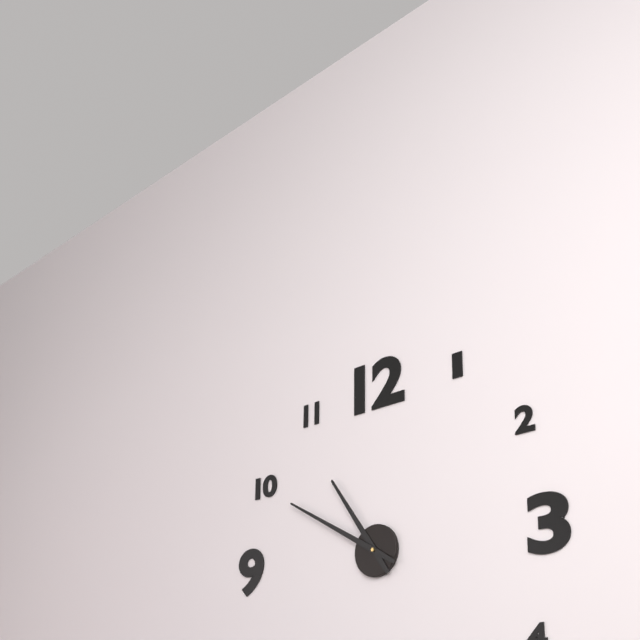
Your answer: **10:50**
